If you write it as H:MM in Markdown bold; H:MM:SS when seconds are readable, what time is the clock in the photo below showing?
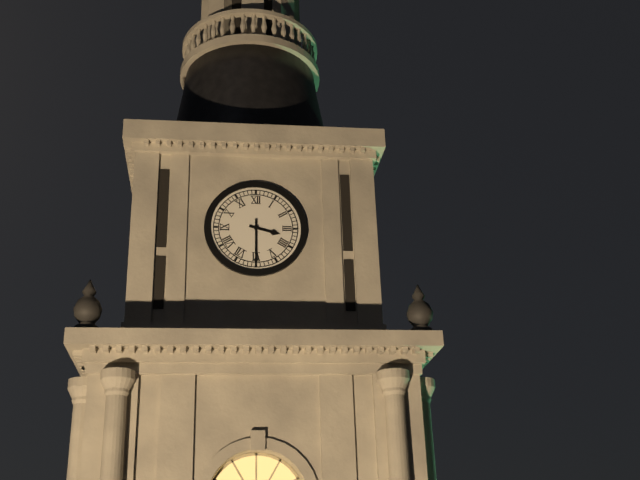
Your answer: **3:30**
